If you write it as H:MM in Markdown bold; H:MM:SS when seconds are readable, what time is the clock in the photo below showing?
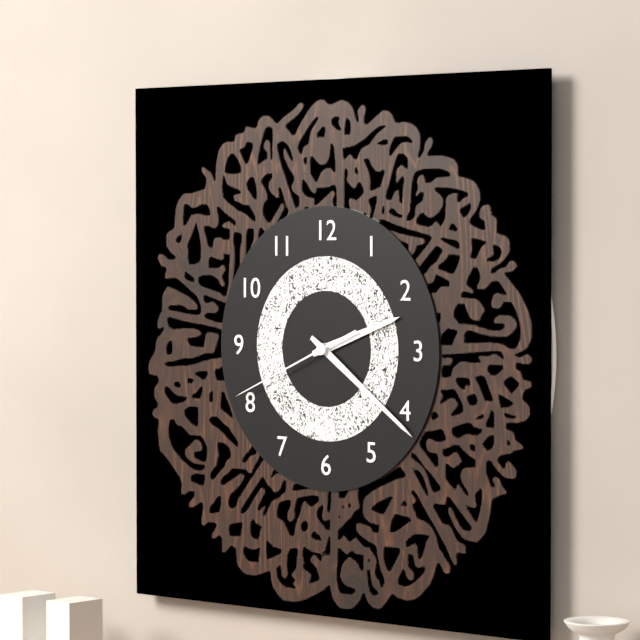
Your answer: **2:21:41**
